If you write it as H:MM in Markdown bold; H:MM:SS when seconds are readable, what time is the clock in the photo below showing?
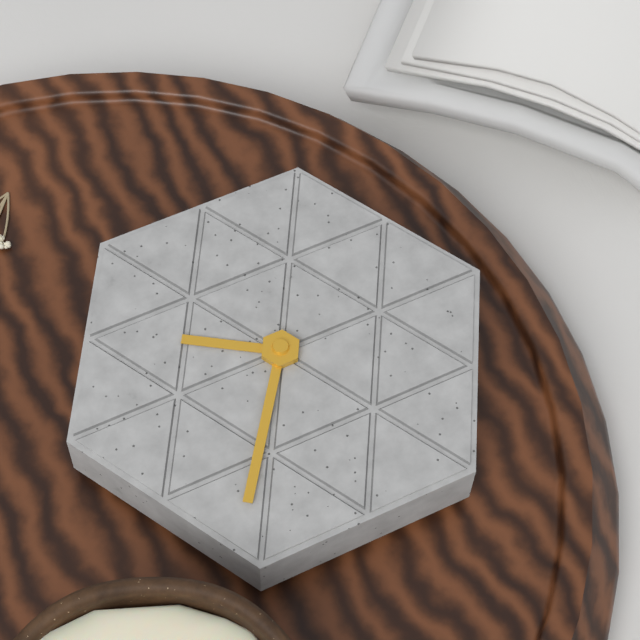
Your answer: **4:06**
